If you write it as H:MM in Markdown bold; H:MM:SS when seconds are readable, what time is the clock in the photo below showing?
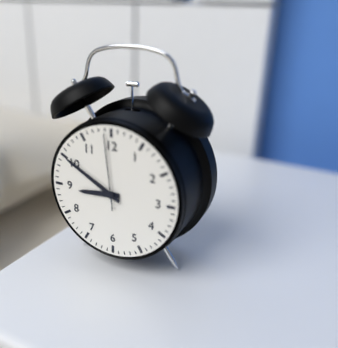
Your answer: **8:50:59**
